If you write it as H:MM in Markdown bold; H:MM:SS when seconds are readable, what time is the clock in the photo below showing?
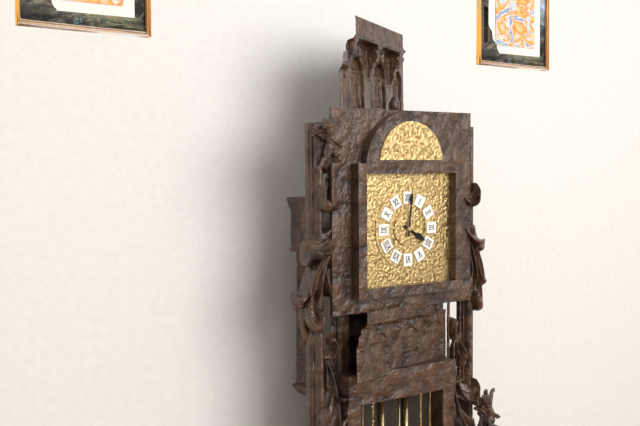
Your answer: **4:01**
